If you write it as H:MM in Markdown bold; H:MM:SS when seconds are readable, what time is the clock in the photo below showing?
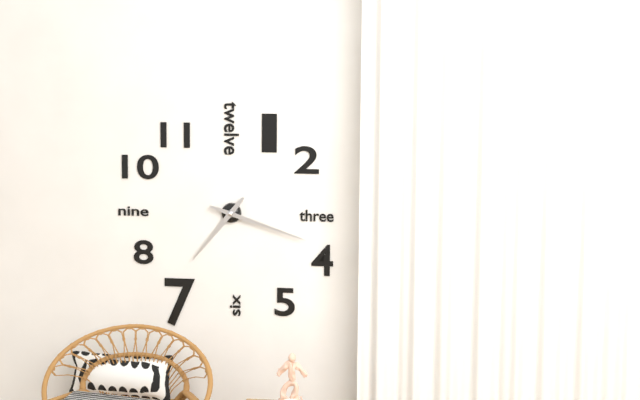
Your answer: **7:18**
